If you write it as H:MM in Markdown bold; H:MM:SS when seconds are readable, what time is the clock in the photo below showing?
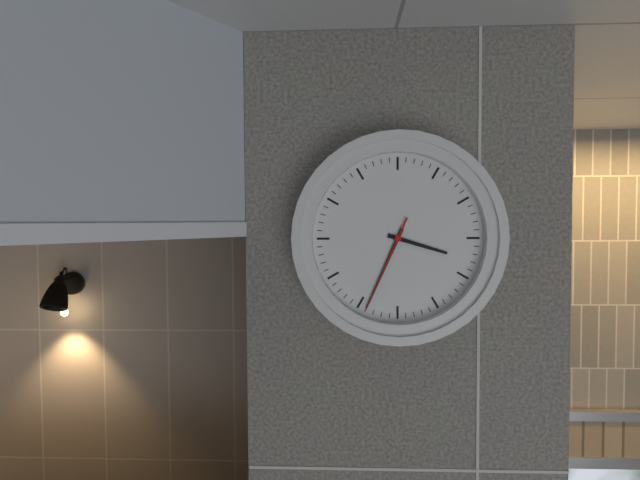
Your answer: **3:34:34**
